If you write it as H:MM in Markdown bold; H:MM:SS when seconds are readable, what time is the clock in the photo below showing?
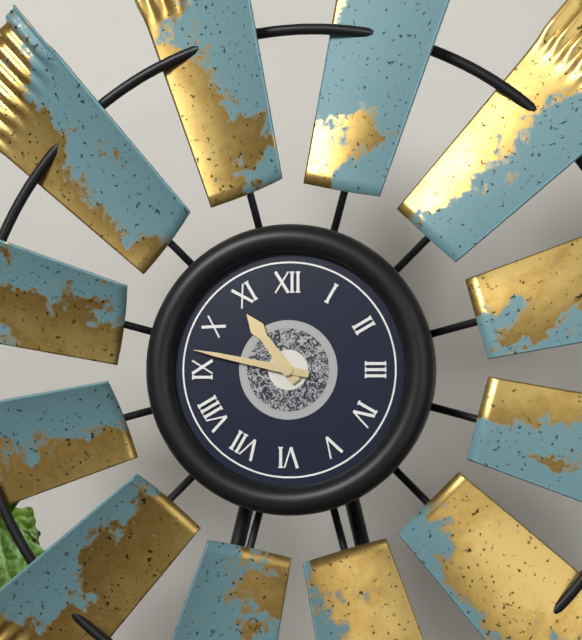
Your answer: **10:47**
